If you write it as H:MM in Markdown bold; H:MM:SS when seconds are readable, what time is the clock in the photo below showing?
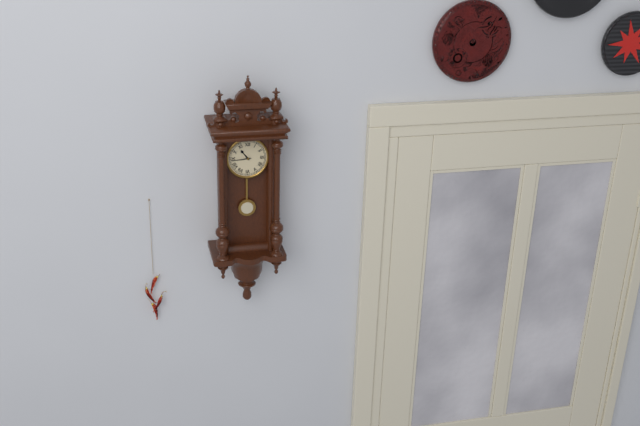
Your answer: **10:44**
